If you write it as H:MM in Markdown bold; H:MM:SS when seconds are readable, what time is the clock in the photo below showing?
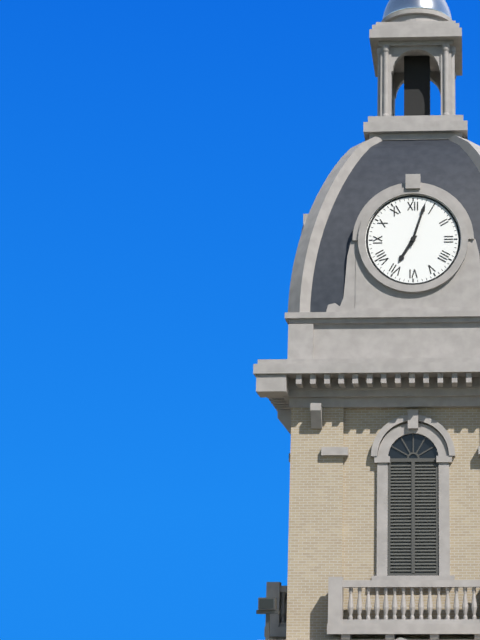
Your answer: **7:03**
